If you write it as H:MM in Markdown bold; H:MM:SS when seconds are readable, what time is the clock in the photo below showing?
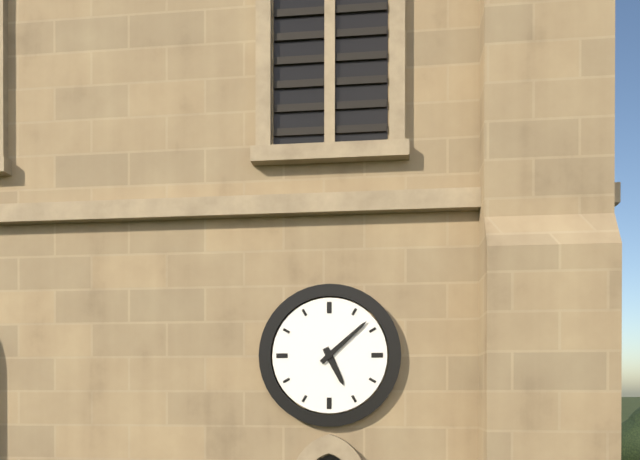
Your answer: **5:08**
